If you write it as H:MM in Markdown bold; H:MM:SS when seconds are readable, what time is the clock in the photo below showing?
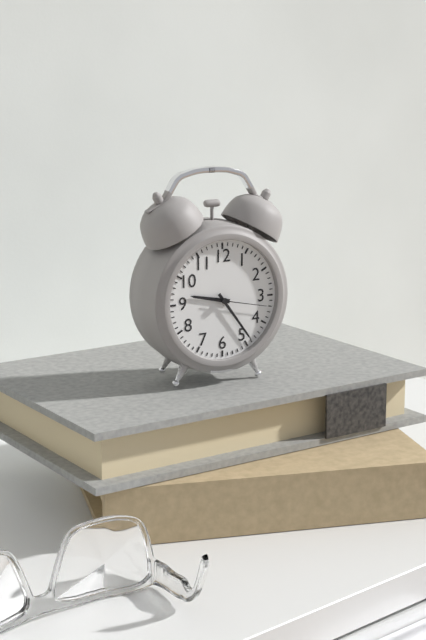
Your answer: **9:24:17**
